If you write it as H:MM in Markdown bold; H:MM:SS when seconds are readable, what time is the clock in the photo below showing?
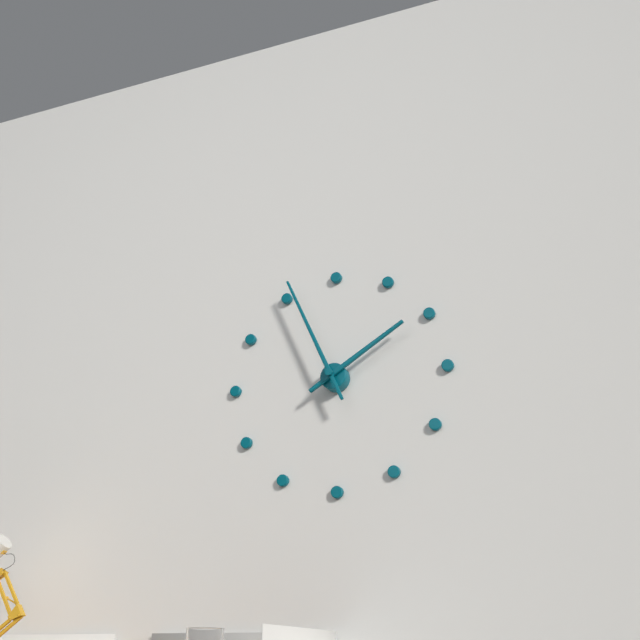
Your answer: **1:56**
